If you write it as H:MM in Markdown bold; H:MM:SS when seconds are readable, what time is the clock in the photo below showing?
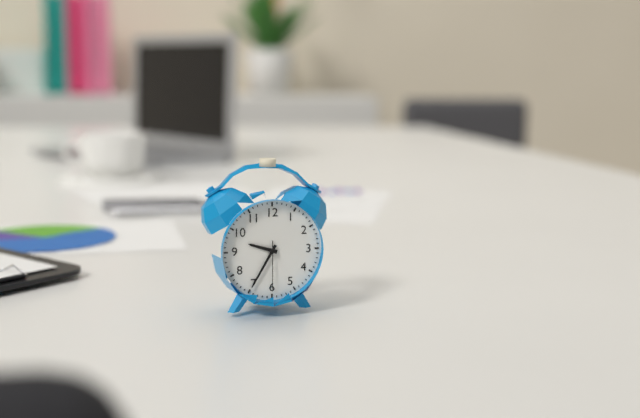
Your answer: **9:35:30**
